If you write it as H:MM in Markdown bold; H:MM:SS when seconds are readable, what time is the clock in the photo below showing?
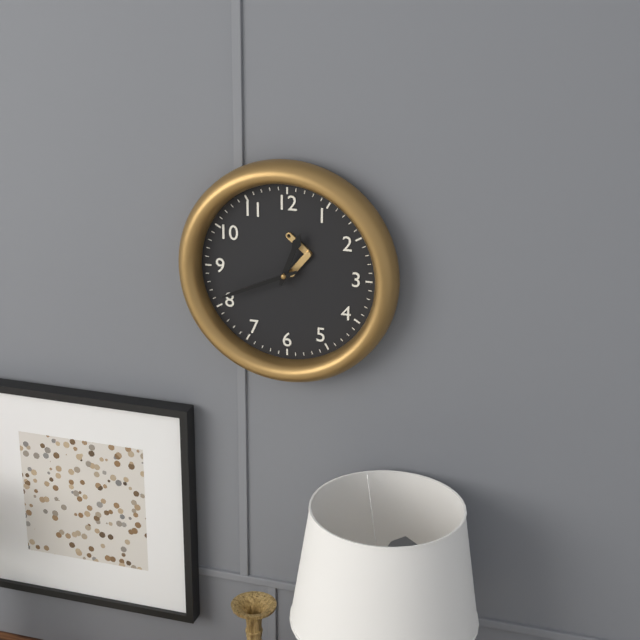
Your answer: **12:41**
